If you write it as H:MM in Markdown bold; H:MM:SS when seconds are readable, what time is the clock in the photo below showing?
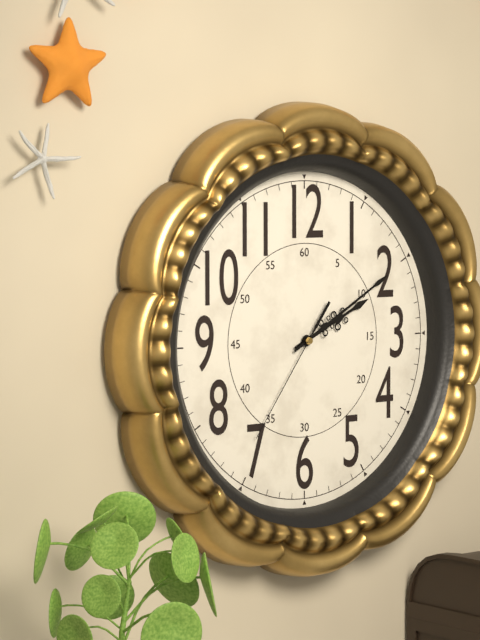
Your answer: **2:10:36**
